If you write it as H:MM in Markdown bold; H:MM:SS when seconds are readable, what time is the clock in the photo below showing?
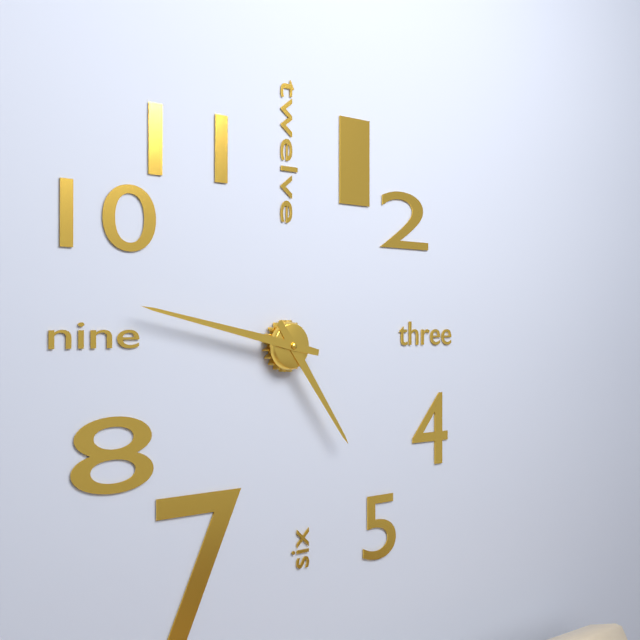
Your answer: **4:47**
